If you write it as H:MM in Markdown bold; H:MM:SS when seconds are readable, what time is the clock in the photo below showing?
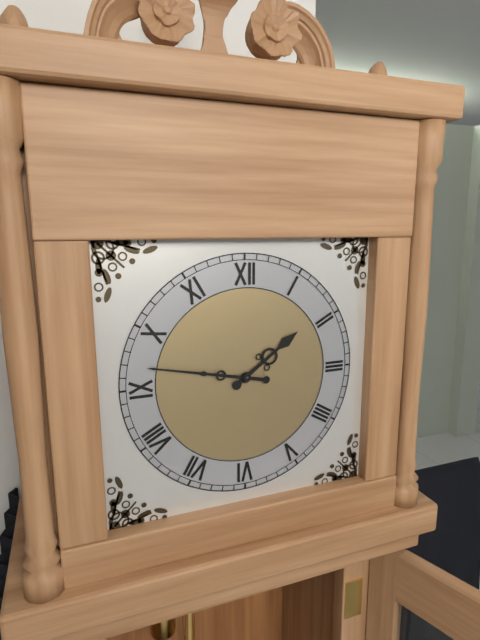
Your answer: **1:47**
